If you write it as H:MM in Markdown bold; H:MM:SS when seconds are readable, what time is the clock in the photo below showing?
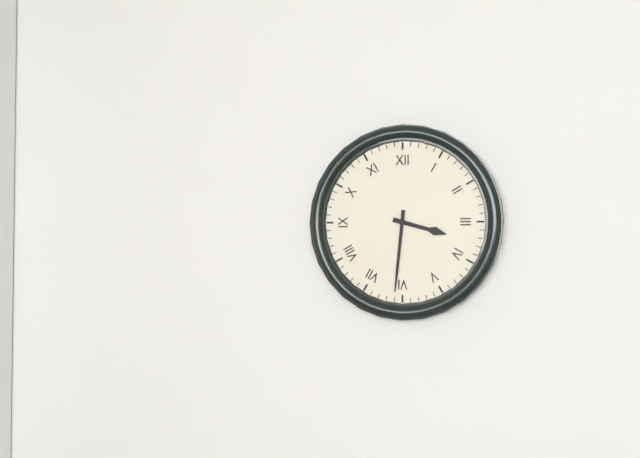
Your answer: **3:31**
